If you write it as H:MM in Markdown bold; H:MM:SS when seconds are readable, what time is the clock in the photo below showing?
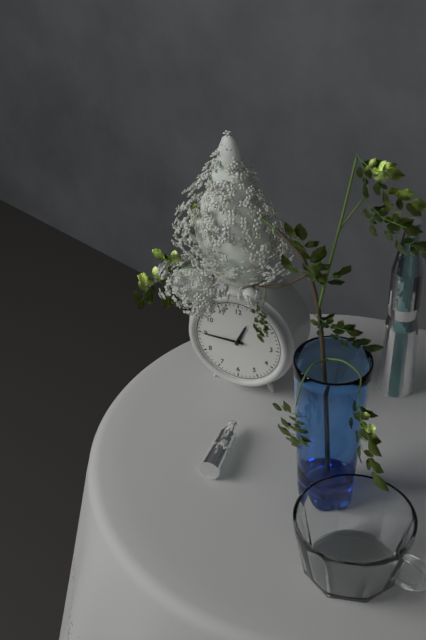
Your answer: **12:45**
